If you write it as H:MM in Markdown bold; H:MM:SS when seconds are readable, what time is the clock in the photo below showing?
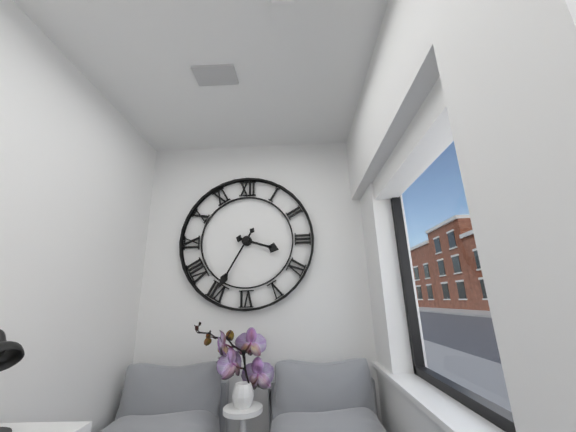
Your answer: **3:35**
